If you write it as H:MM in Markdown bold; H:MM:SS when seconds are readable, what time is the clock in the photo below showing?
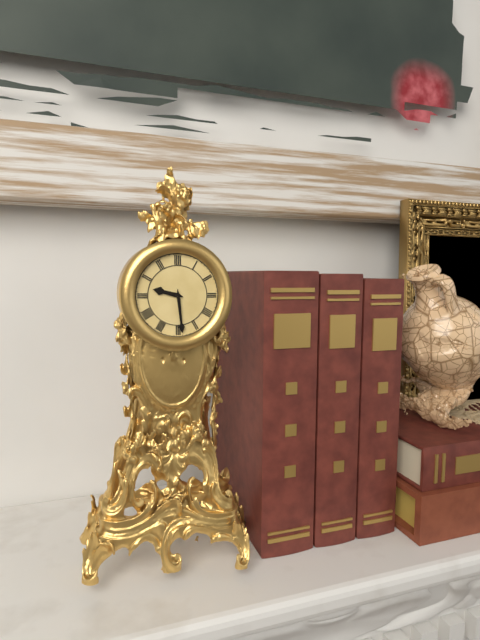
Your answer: **9:29**
